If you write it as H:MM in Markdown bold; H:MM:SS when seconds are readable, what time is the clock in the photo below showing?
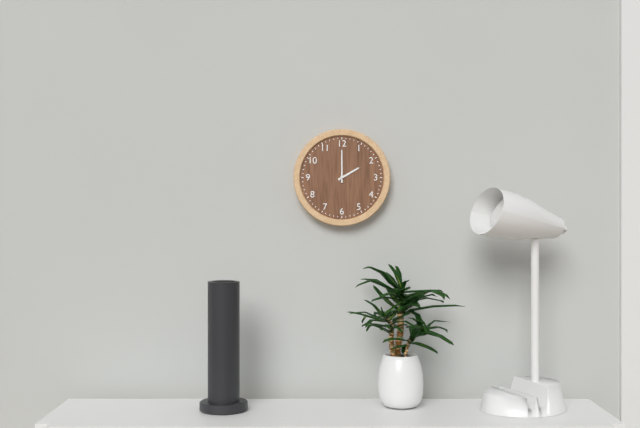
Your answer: **2:00**
